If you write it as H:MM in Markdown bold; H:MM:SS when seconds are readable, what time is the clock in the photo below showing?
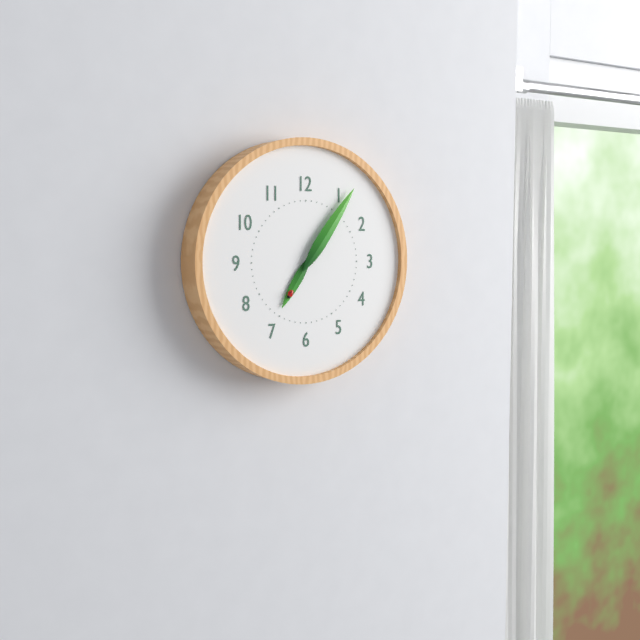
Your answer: **7:06**
